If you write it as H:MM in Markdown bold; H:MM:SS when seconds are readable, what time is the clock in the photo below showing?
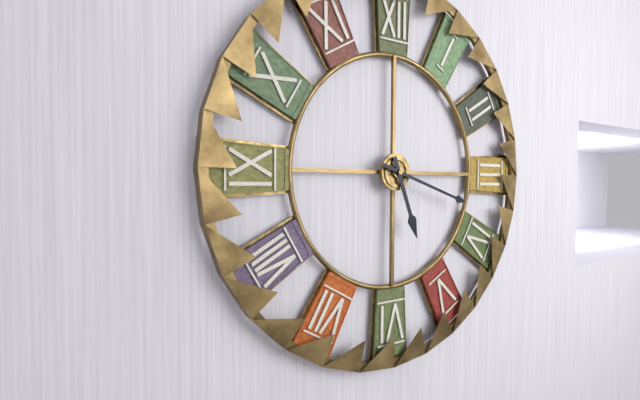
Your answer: **5:18**
